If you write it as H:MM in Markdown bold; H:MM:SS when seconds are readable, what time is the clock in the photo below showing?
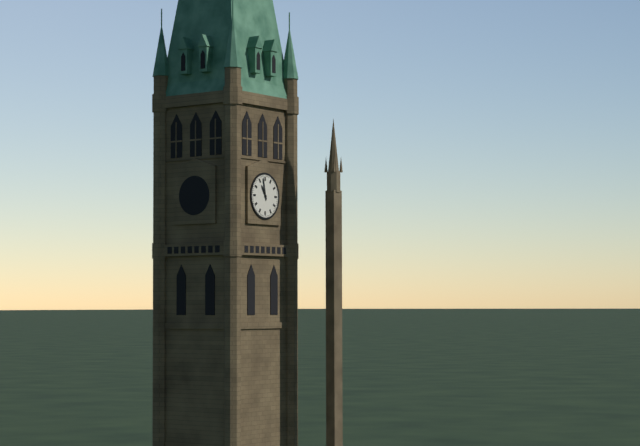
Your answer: **10:58**
